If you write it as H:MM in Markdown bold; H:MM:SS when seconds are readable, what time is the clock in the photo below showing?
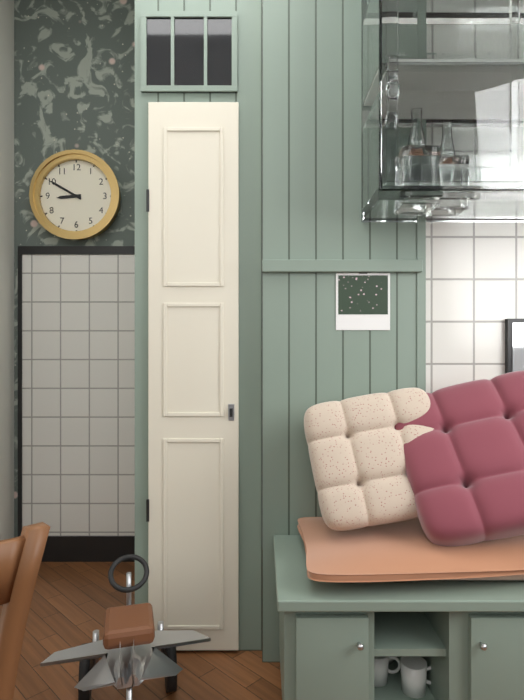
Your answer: **8:50**
